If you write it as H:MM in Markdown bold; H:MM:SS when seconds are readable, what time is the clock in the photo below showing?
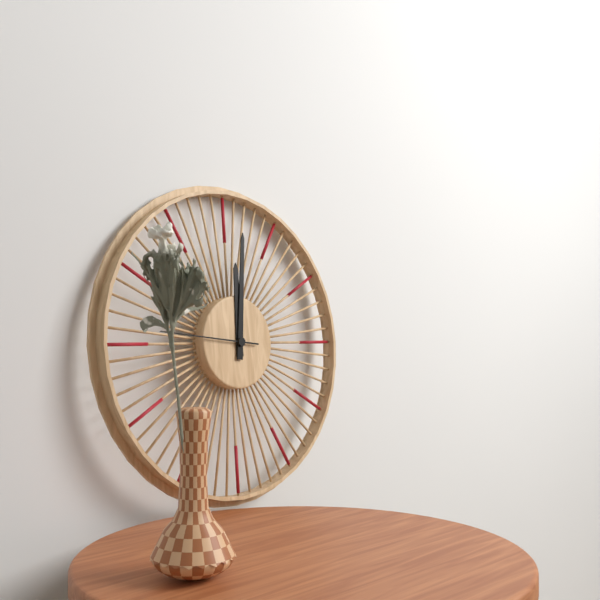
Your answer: **12:01:46**
